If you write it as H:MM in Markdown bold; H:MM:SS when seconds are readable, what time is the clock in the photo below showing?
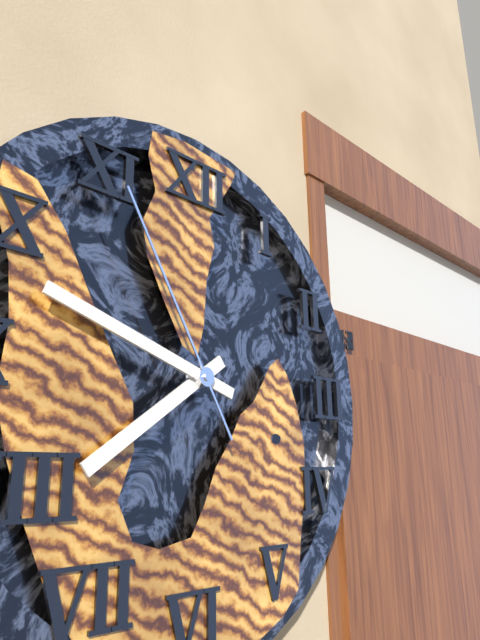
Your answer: **7:48:55**
